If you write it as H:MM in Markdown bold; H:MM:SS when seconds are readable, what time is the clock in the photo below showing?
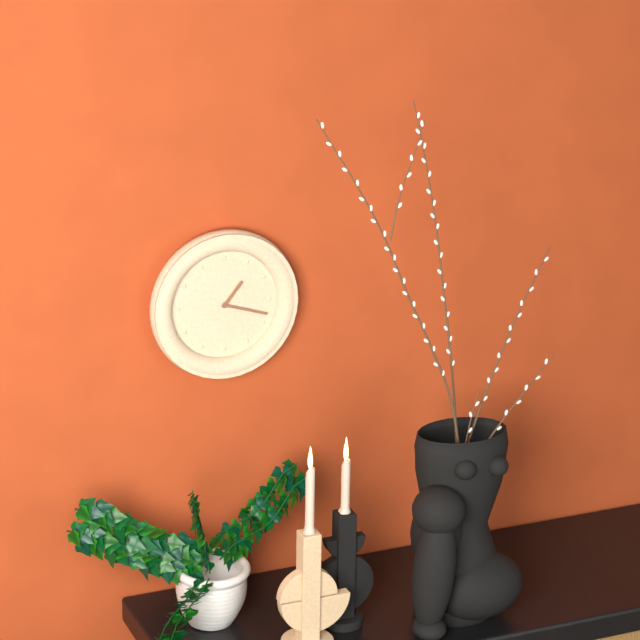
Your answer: **1:18**
